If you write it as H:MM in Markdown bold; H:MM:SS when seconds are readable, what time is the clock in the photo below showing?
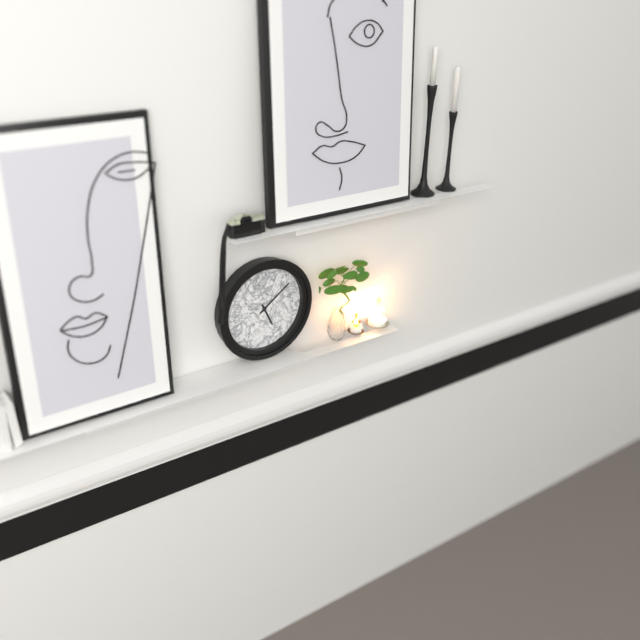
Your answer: **5:09**
